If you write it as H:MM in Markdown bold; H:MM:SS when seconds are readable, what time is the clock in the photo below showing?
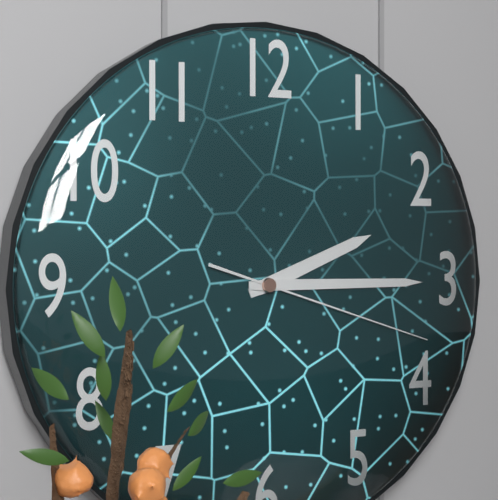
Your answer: **2:15:18**
